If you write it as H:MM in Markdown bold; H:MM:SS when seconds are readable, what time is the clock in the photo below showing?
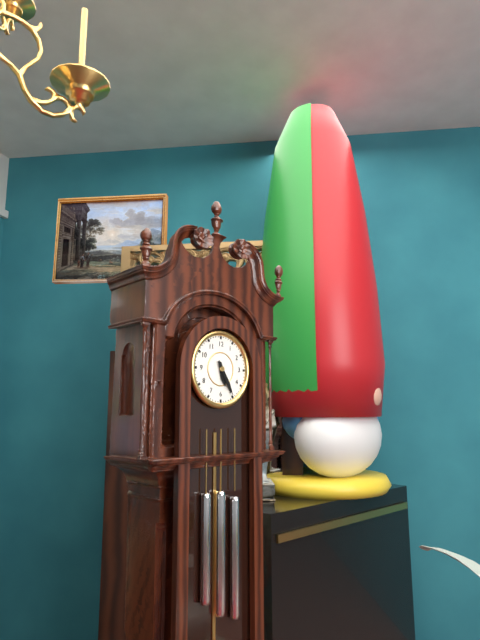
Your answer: **5:25**
